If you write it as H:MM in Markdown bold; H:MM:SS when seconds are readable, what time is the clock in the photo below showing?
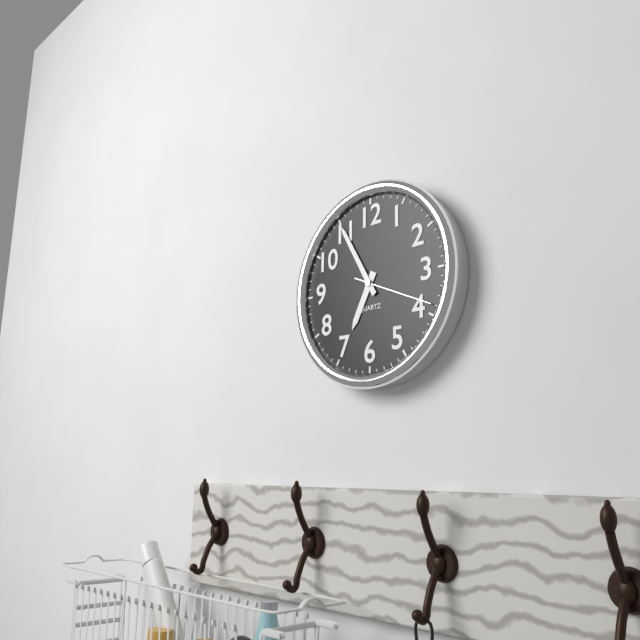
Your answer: **6:55:19**
